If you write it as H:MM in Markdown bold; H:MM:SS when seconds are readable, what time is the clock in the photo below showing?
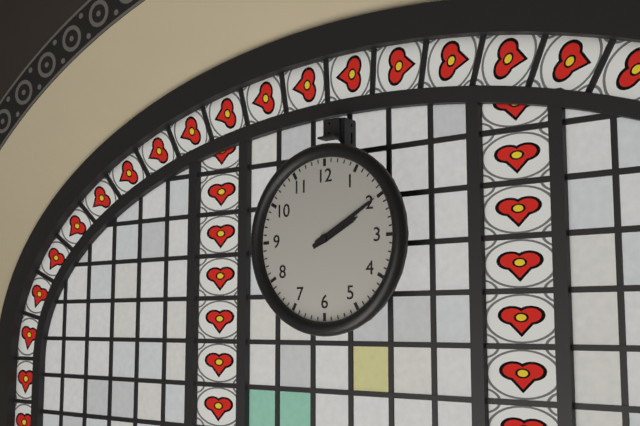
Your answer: **2:10**
